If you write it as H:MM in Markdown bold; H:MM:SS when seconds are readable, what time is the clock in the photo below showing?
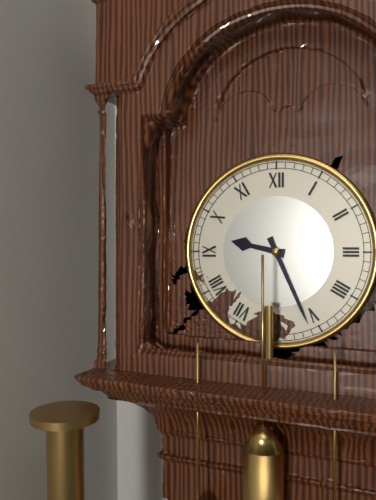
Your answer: **9:26**
